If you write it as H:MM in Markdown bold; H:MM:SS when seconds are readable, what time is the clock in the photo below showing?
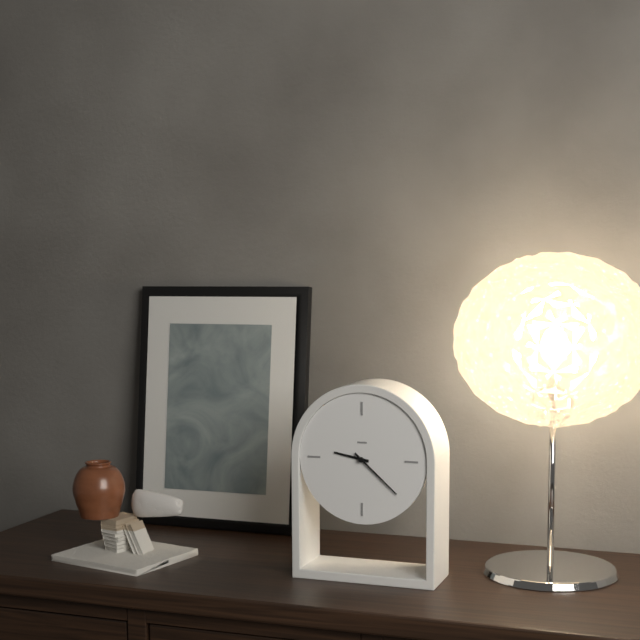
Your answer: **9:22**
